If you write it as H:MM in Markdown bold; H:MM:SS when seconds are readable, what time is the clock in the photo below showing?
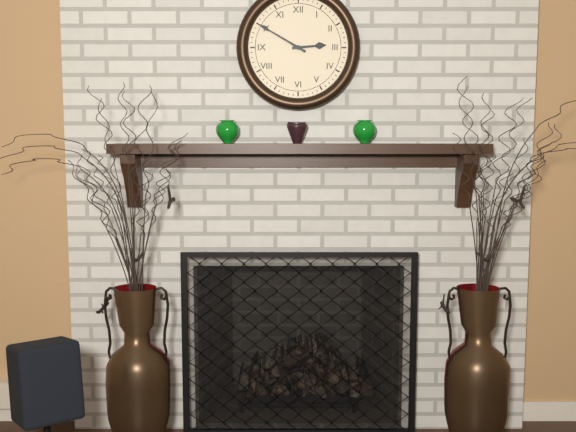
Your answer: **2:50**
